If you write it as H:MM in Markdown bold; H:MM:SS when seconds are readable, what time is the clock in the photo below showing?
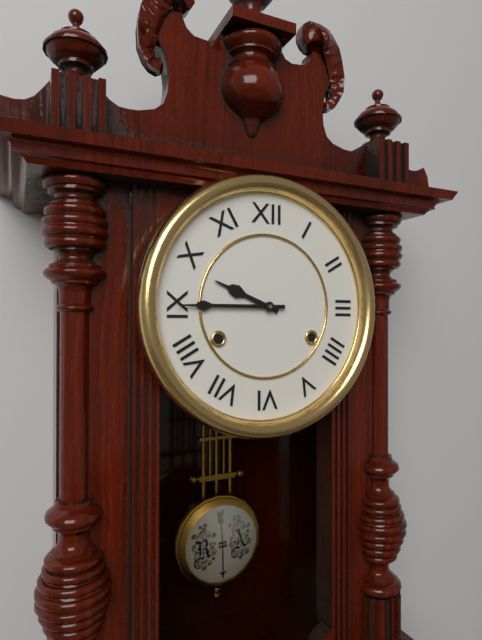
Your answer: **9:45**
